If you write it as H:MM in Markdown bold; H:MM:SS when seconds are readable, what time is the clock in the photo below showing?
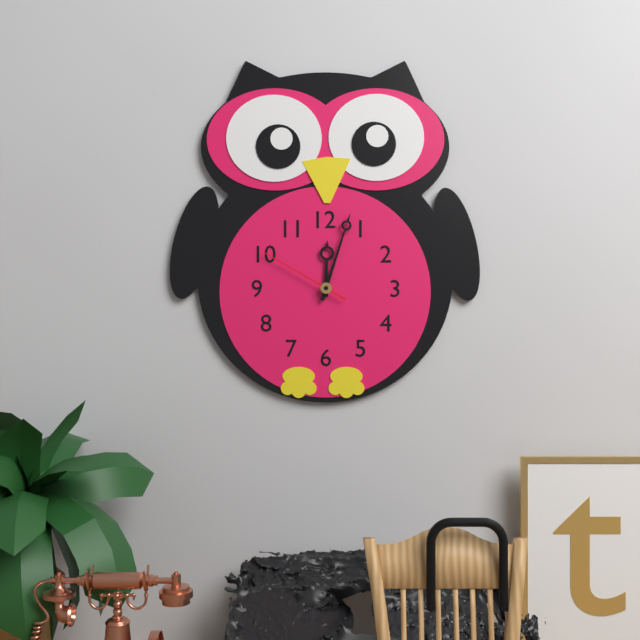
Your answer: **12:03:50**
